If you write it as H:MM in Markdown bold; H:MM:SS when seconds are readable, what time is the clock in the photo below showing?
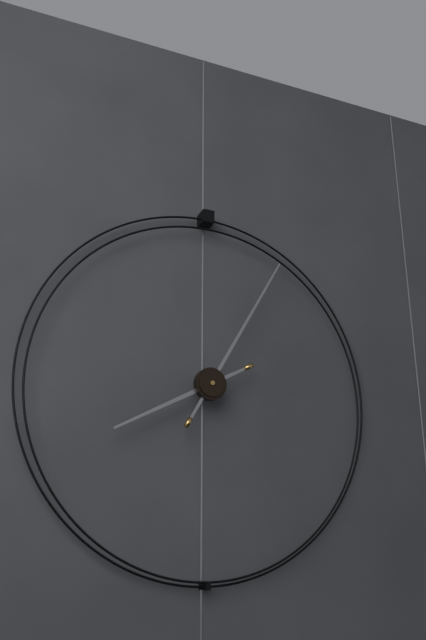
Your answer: **8:05**
